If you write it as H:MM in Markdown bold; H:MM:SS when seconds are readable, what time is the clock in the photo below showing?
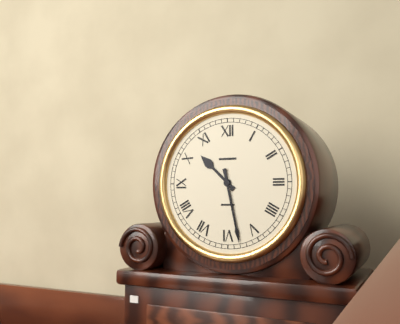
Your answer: **10:28**
